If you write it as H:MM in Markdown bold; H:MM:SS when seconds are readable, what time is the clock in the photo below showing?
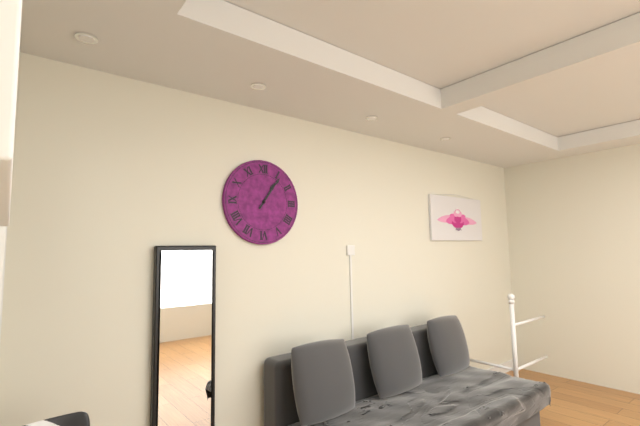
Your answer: **1:06**
